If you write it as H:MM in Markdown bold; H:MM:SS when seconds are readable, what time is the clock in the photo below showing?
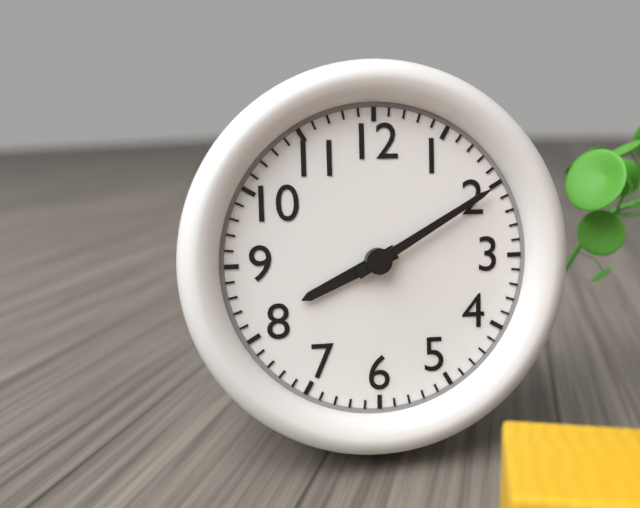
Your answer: **8:10**
